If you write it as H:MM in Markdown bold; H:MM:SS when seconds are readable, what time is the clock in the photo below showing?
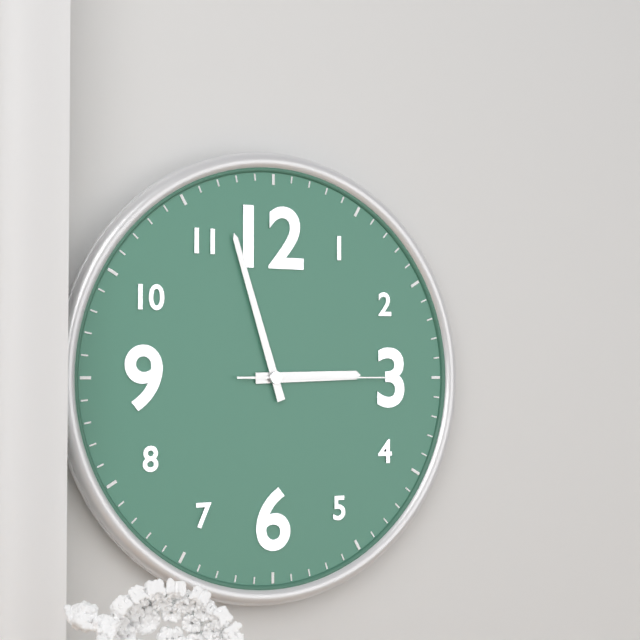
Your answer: **2:57:15**
